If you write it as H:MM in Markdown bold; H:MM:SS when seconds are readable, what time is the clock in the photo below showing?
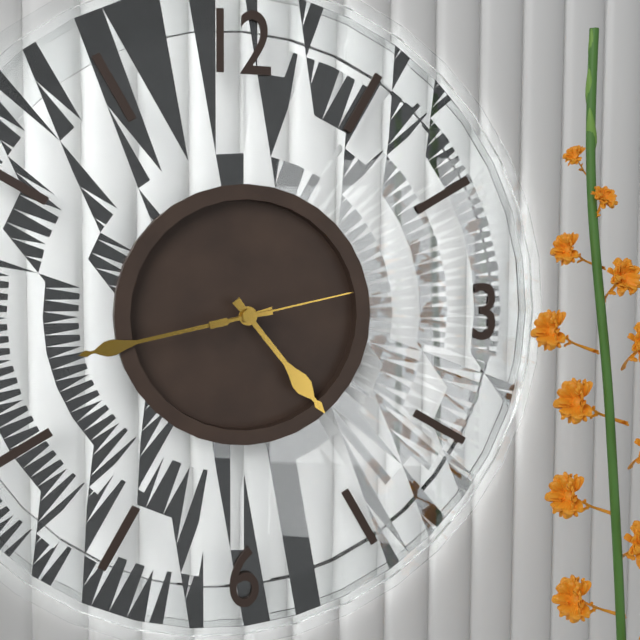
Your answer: **4:43:13**
